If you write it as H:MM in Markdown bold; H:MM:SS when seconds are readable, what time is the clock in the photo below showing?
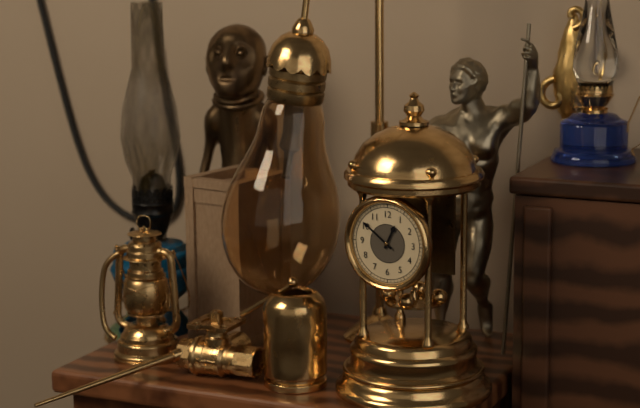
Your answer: **12:51**
